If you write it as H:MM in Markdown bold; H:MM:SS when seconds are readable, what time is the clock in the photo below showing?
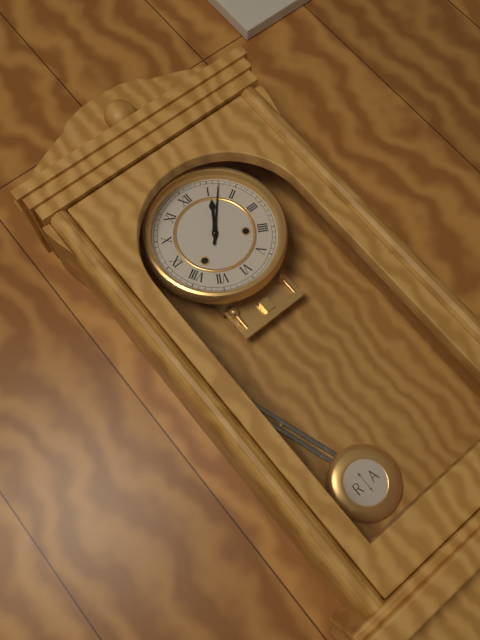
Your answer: **1:07**
